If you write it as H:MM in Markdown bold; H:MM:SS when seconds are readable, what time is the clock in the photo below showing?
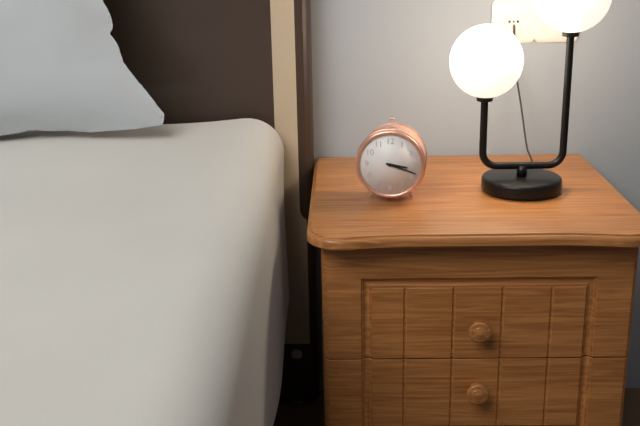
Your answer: **3:18**
